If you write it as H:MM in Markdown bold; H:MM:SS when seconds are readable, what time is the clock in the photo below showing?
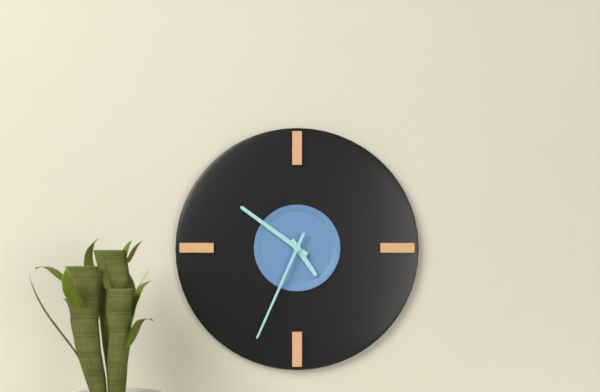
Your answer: **4:51:34**
